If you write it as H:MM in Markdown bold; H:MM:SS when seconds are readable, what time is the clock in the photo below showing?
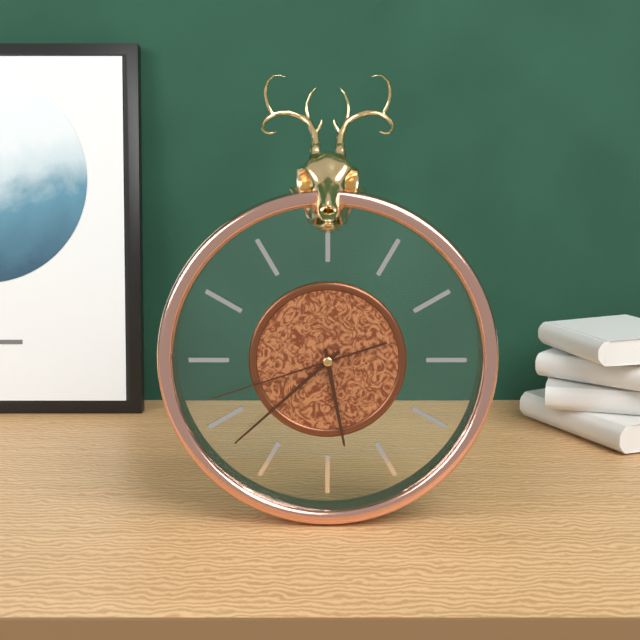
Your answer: **5:38:42**
